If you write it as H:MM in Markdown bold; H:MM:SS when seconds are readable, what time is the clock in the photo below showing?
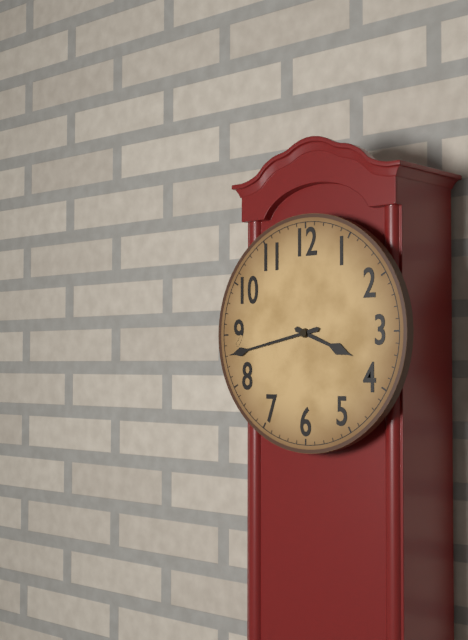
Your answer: **3:43**
